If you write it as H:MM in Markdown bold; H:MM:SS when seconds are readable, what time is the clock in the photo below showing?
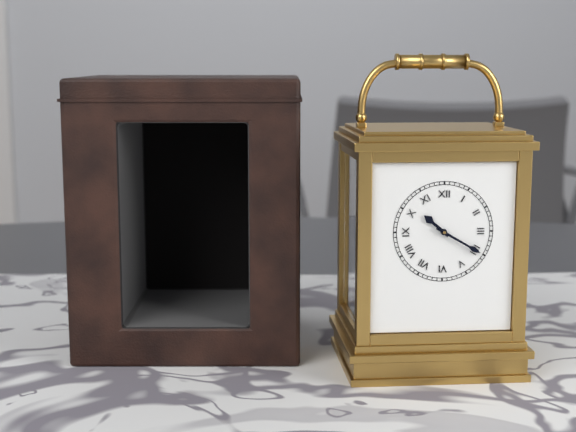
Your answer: **10:20**
